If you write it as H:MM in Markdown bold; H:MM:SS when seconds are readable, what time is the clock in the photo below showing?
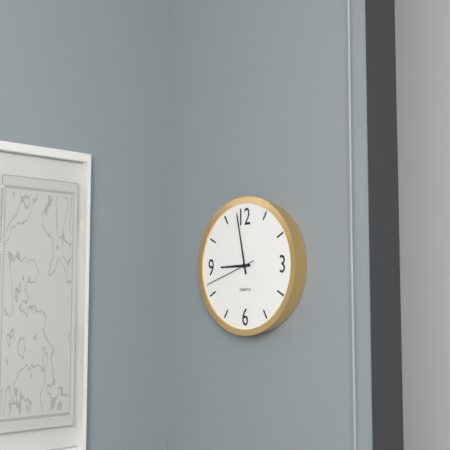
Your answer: **8:58:42**
